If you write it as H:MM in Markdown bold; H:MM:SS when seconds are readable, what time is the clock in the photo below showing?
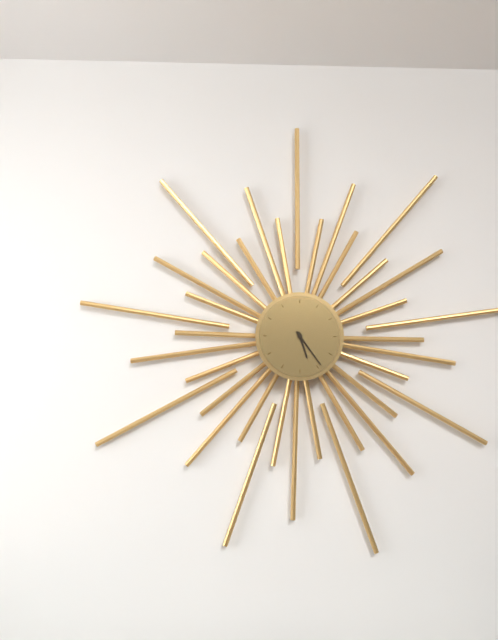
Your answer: **5:24**
